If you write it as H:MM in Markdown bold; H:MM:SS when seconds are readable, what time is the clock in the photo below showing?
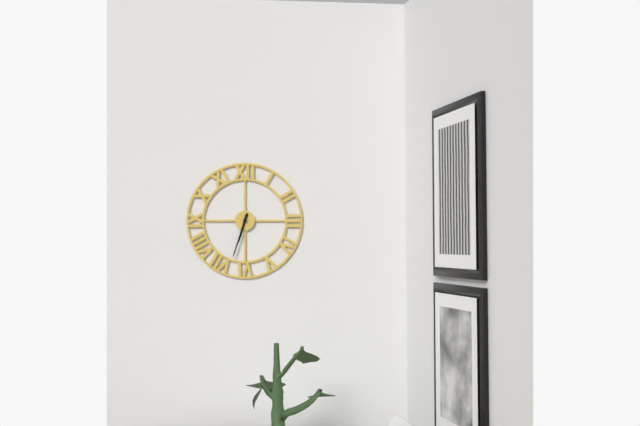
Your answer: **6:33**
